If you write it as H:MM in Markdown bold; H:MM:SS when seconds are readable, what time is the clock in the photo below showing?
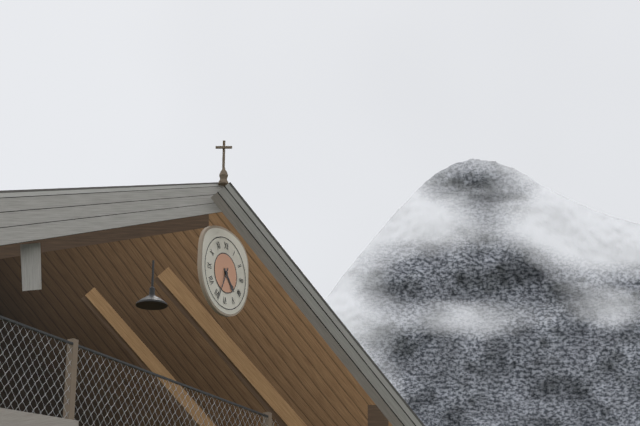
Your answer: **4:34**
